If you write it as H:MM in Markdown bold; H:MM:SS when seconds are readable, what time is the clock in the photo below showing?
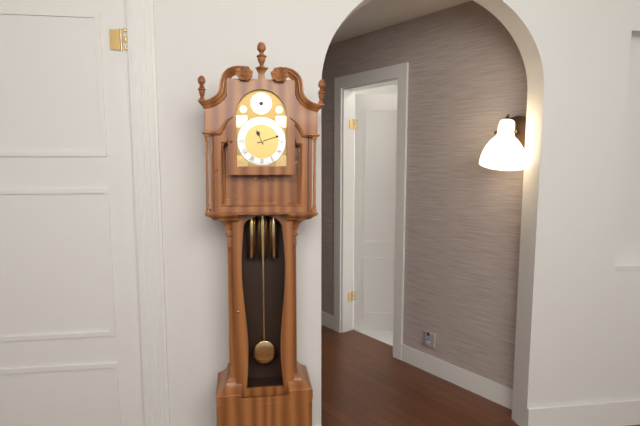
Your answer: **11:12**
